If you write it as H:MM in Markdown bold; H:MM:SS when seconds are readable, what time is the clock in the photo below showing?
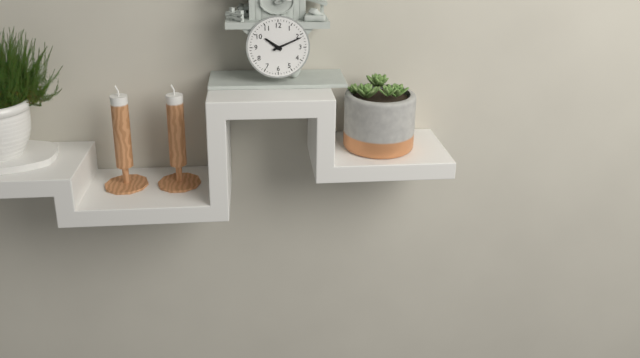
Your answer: **10:11**
